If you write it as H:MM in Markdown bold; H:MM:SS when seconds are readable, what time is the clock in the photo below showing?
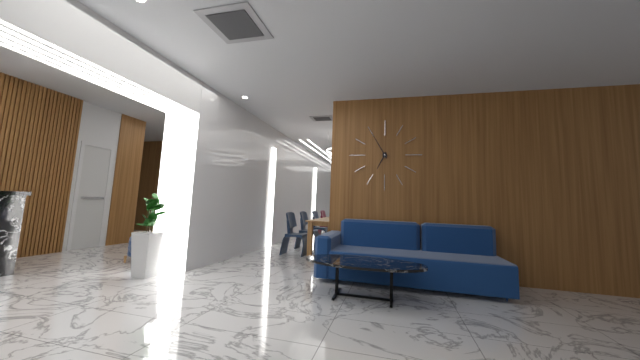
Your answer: **6:55**
